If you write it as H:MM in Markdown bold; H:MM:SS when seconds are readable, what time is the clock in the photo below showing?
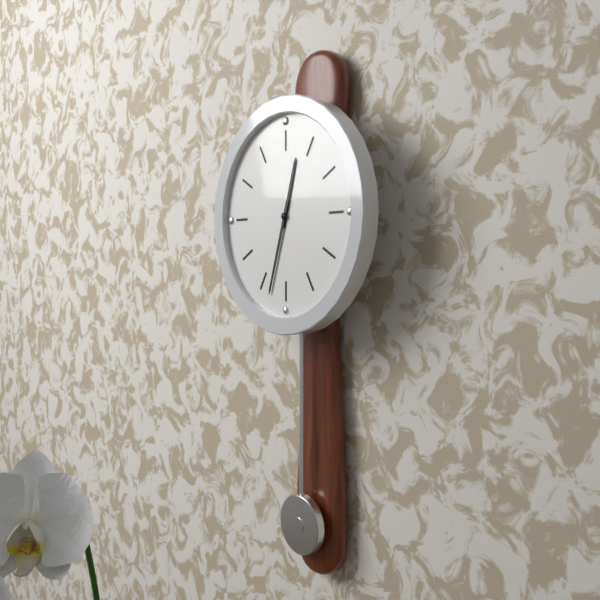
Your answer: **12:33**
